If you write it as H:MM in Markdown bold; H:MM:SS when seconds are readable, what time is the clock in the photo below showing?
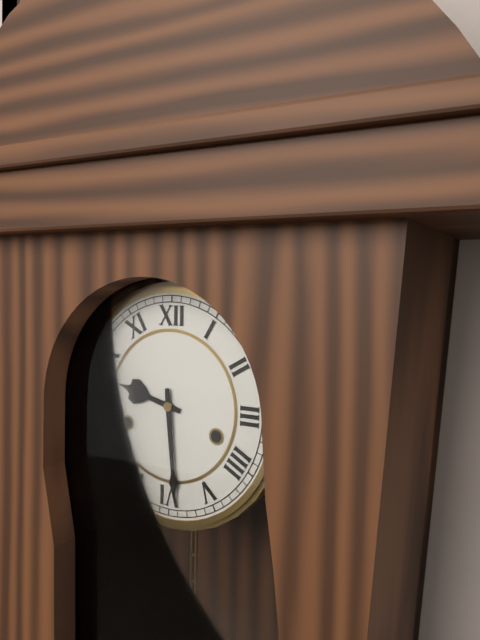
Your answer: **9:29**
